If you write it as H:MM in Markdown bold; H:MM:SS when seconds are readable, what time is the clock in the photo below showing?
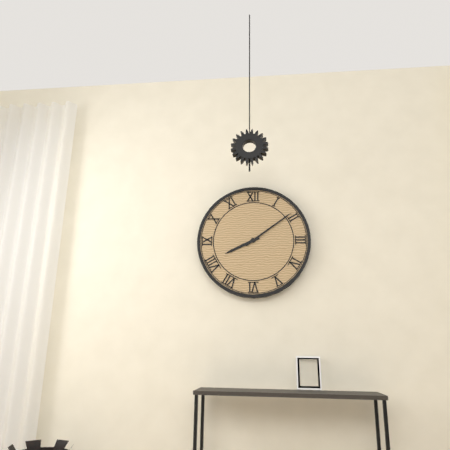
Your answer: **8:09**
